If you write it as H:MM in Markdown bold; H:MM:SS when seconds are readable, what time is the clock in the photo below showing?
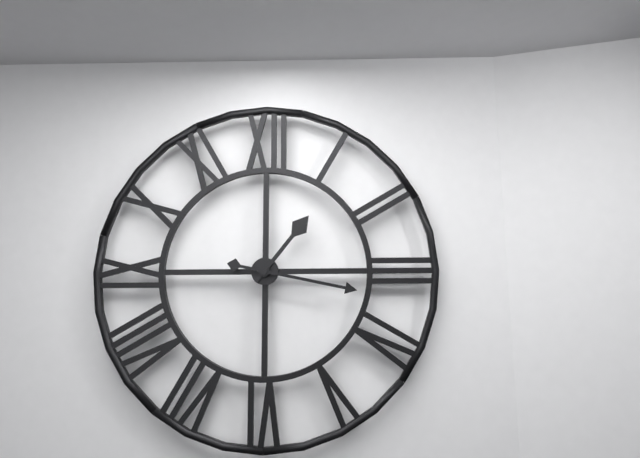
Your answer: **1:17**
